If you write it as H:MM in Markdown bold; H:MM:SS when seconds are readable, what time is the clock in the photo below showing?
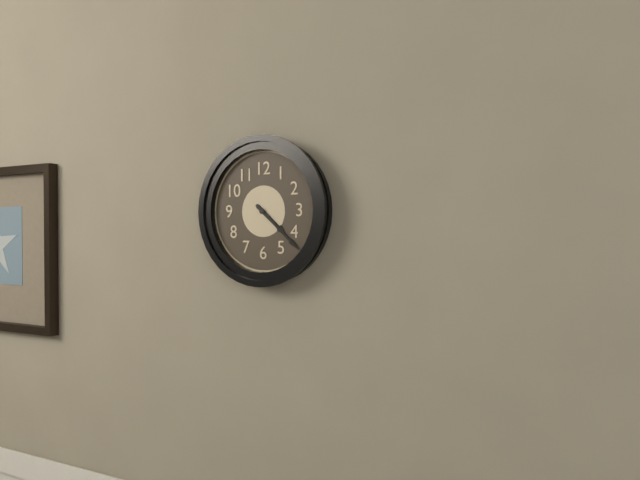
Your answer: **4:22**
